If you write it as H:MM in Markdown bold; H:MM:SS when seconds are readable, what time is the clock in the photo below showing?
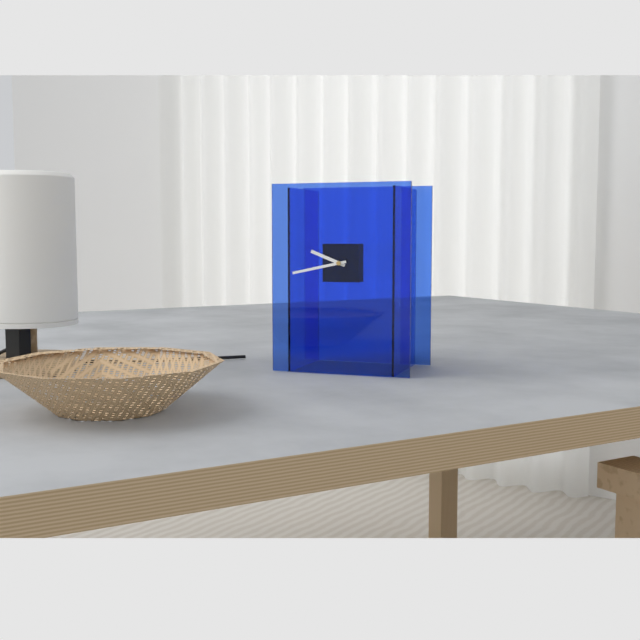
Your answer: **9:43**
